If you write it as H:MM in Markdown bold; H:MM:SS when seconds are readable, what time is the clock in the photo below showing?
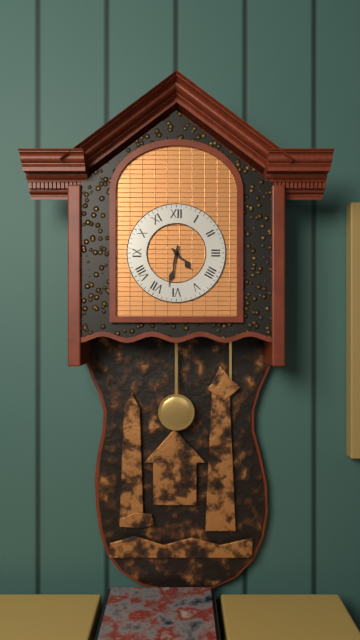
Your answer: **4:32**
